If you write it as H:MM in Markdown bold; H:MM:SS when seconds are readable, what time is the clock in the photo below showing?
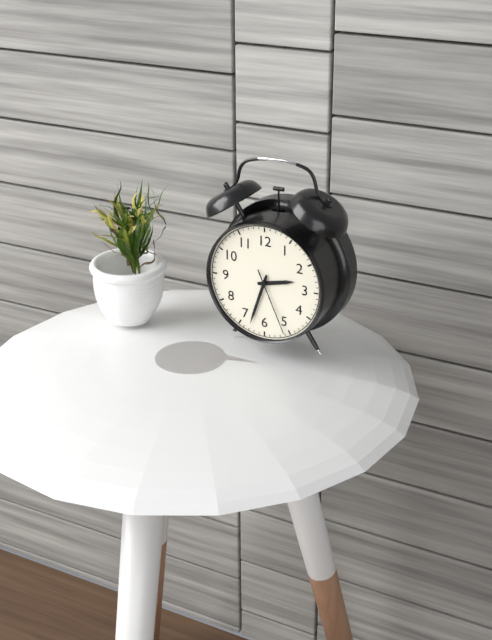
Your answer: **2:33:26**
